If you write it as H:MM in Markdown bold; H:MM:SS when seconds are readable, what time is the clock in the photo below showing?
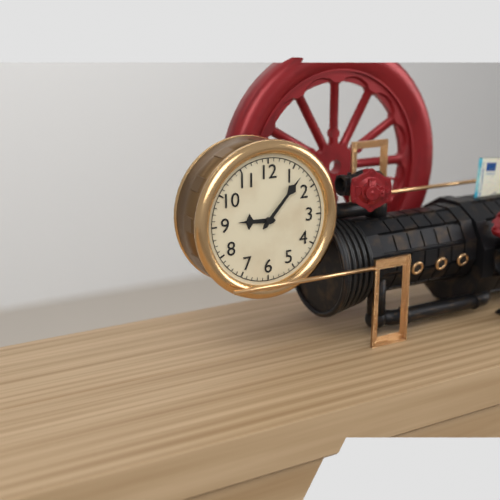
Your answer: **9:07**
